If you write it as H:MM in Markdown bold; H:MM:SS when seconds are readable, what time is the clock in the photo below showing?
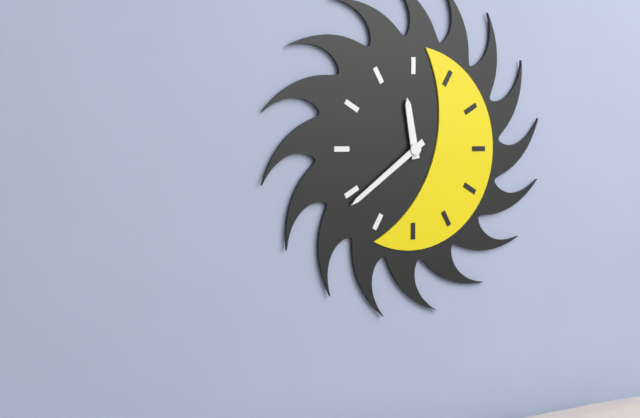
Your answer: **11:39**
